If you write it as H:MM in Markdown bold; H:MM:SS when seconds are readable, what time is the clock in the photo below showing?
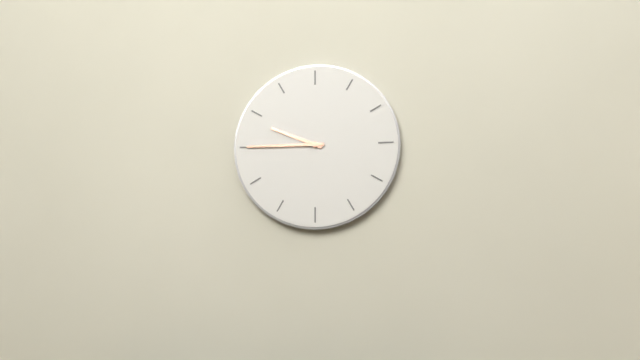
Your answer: **9:45**
